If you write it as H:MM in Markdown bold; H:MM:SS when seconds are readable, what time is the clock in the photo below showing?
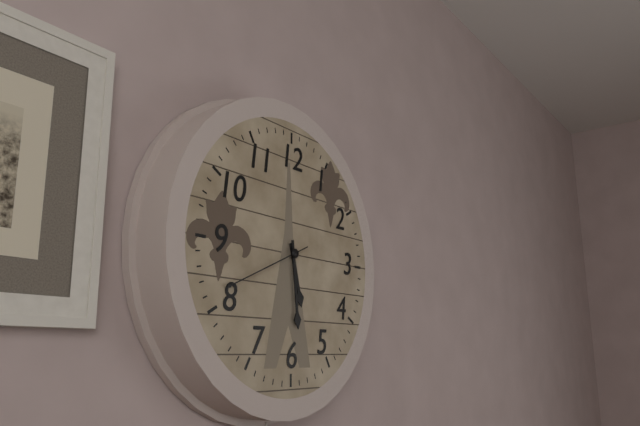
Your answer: **5:29:41**
